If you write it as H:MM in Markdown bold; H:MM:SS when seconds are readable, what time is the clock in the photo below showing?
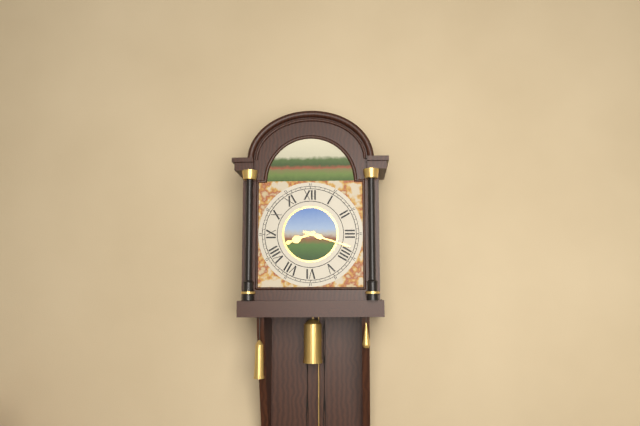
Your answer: **8:18**
